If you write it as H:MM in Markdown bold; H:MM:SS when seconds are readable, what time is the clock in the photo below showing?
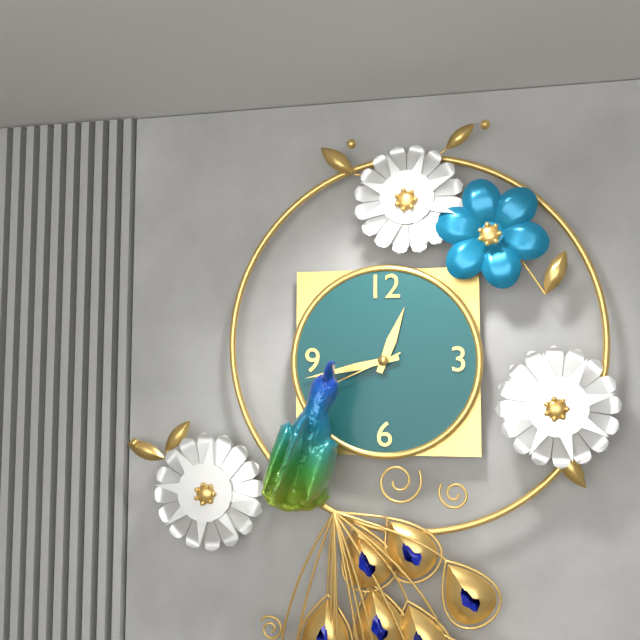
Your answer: **12:43**
